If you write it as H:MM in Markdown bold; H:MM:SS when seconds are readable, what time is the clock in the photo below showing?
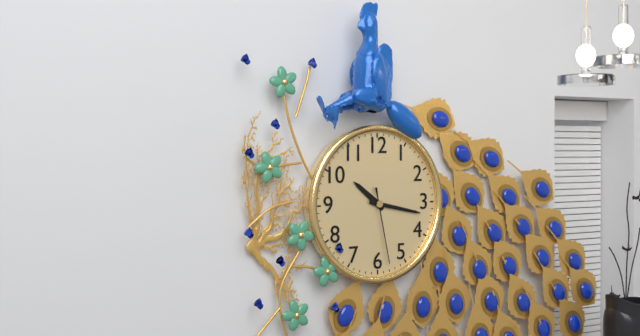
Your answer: **10:17:28**
